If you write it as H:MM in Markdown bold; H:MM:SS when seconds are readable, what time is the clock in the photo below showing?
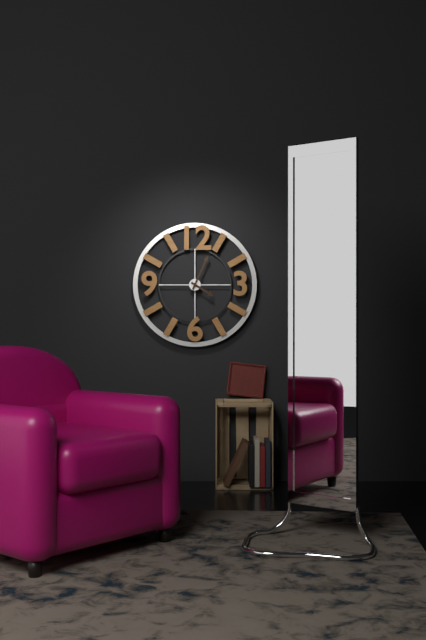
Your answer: **4:04**
